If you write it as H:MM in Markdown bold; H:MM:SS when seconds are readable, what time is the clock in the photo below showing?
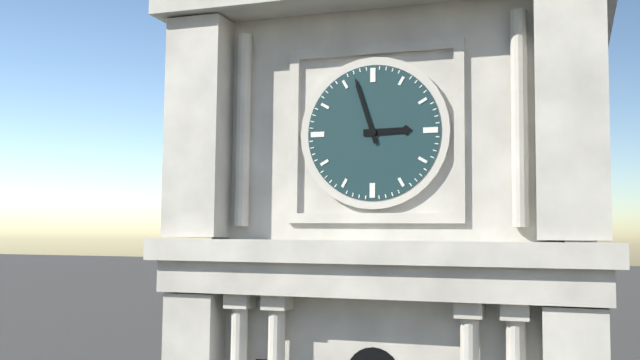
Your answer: **2:57**
